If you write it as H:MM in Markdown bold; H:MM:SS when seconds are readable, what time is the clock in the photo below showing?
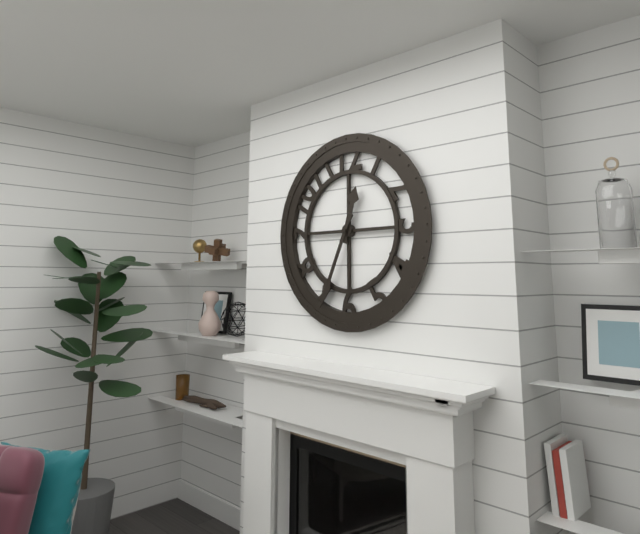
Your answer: **12:34**
